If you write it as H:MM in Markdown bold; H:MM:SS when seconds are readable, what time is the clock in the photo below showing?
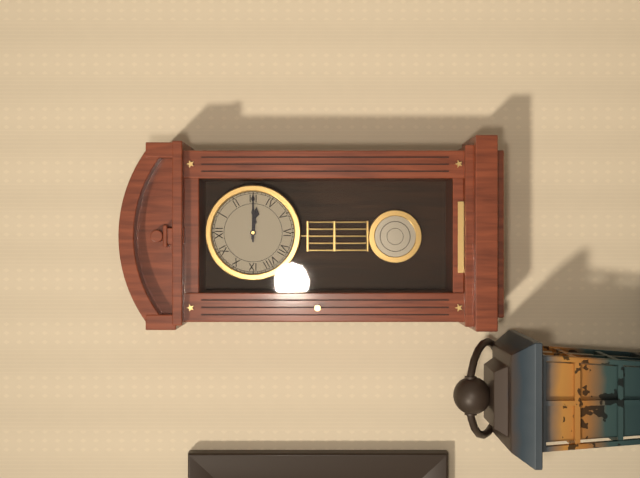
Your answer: **3:15**
